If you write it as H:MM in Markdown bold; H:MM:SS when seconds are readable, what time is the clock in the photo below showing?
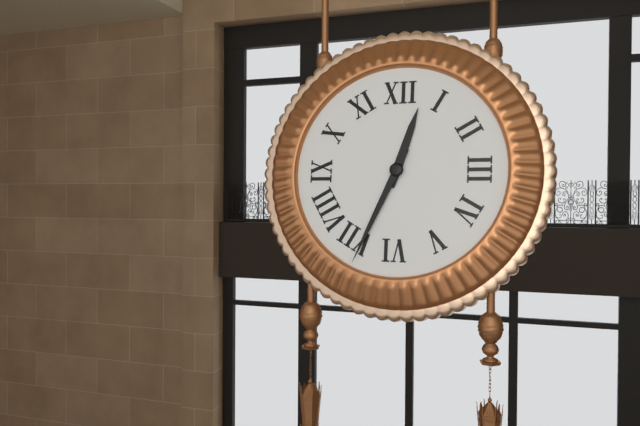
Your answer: **12:34**
